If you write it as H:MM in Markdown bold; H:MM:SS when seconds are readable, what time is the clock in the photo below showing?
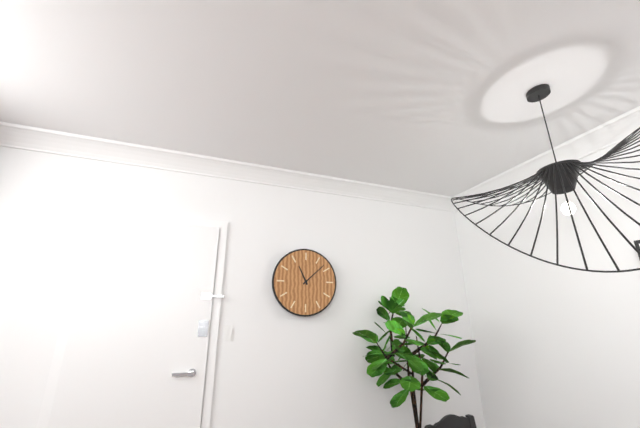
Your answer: **11:08**
